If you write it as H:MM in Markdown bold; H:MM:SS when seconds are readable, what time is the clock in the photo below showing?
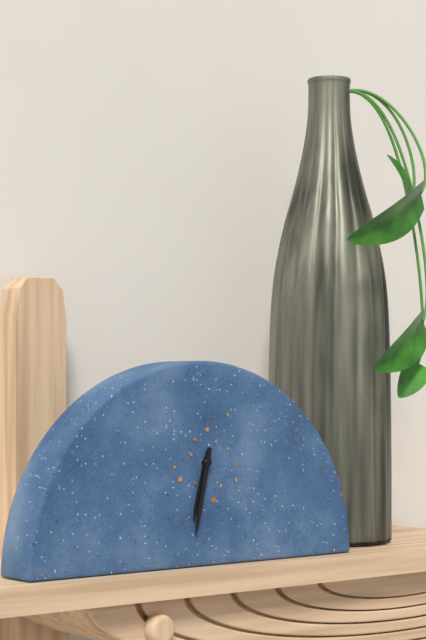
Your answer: **6:32**
